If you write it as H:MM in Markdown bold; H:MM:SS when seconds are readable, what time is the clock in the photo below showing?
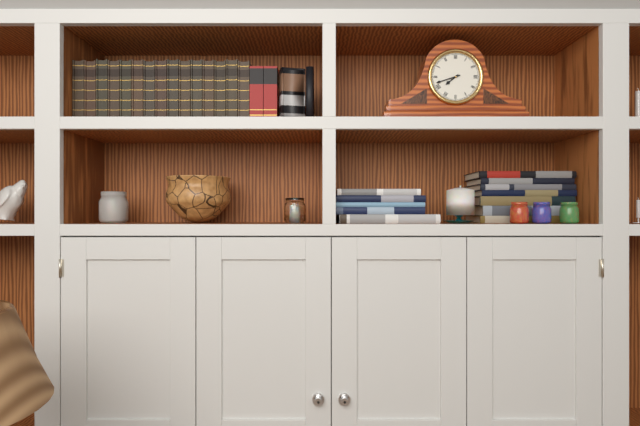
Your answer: **7:42**
